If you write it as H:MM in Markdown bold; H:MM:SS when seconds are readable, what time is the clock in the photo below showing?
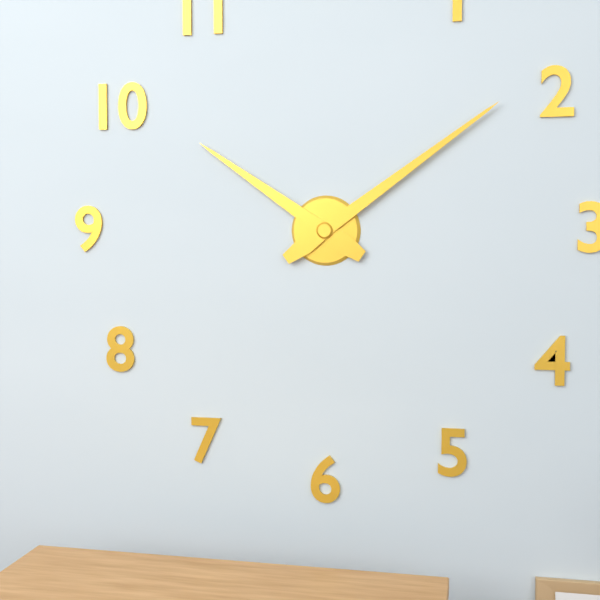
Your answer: **10:09**
